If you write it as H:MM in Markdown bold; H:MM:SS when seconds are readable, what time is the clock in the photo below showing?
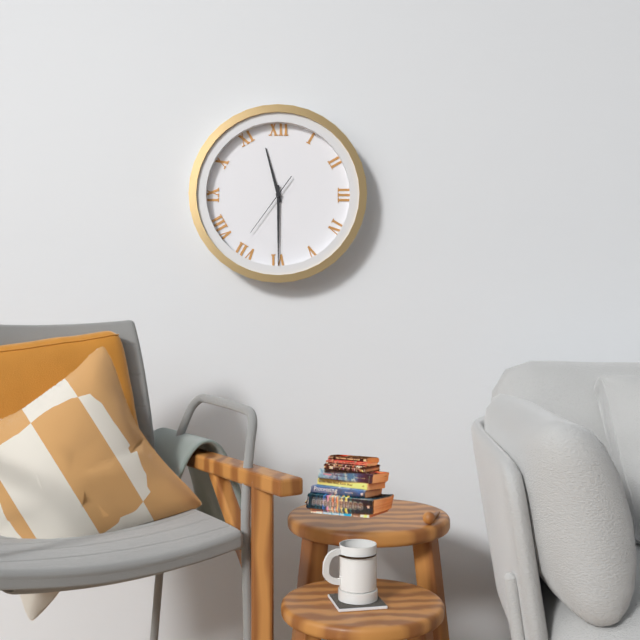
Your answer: **11:30:36**
